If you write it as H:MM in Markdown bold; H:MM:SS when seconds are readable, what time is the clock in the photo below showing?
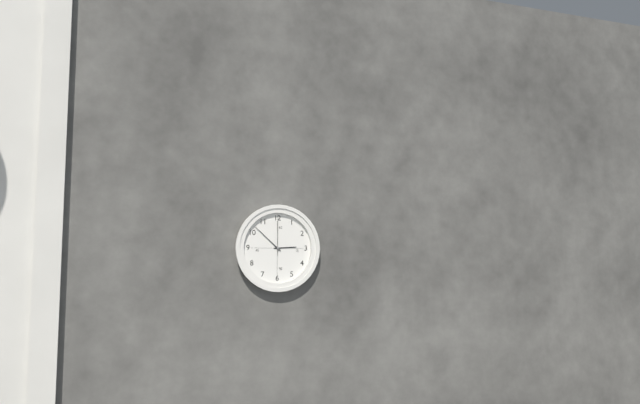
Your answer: **2:52**
